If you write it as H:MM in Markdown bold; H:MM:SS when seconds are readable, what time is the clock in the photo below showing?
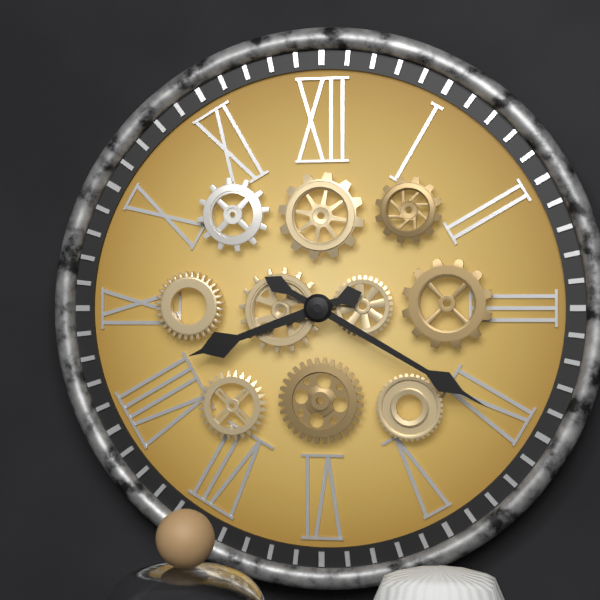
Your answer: **8:20**
